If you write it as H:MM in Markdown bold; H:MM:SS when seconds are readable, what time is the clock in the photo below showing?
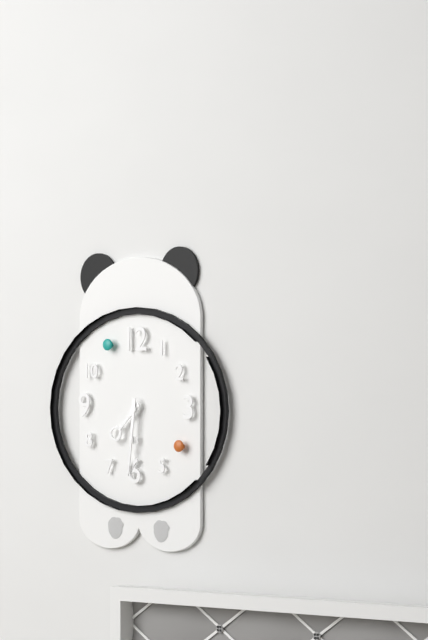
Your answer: **7:31**
